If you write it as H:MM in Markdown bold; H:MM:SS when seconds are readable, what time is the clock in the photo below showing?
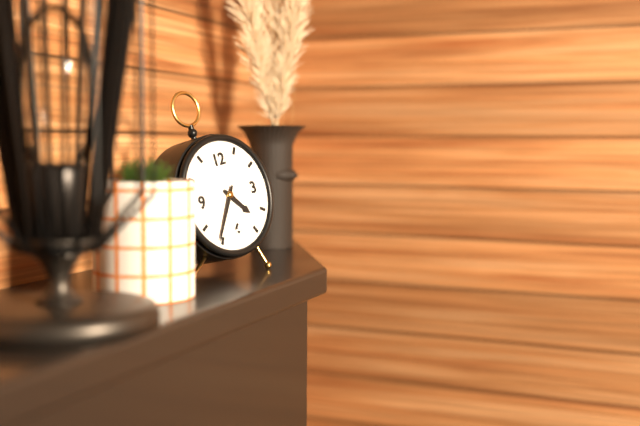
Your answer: **4:36**
